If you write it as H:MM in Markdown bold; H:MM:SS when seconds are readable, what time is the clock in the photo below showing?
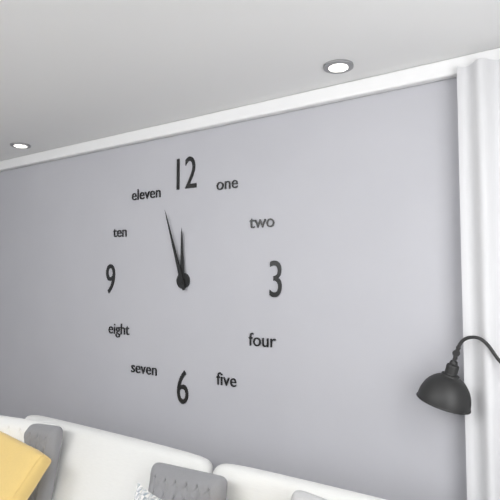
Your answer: **11:57**
